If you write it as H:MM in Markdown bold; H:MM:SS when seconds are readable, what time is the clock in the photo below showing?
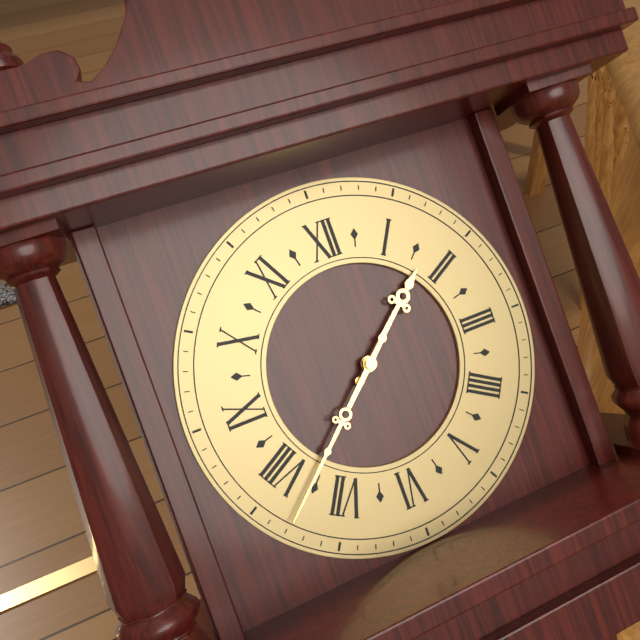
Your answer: **1:38**
